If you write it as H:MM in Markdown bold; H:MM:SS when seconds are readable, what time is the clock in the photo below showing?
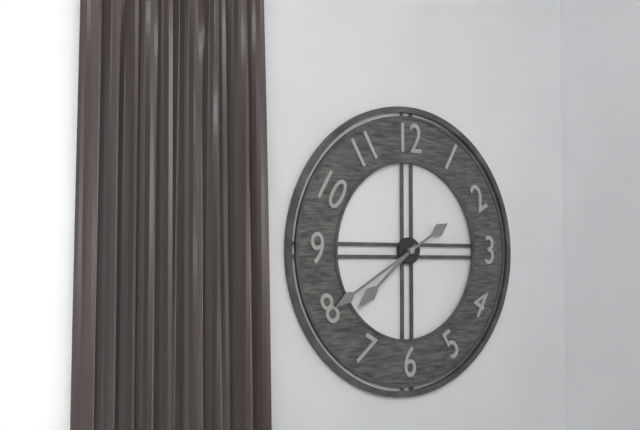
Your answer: **7:40**
